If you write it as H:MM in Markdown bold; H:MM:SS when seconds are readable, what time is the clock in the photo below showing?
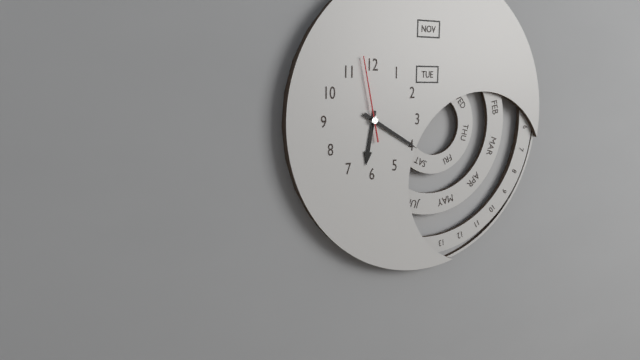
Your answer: **6:20:58**
